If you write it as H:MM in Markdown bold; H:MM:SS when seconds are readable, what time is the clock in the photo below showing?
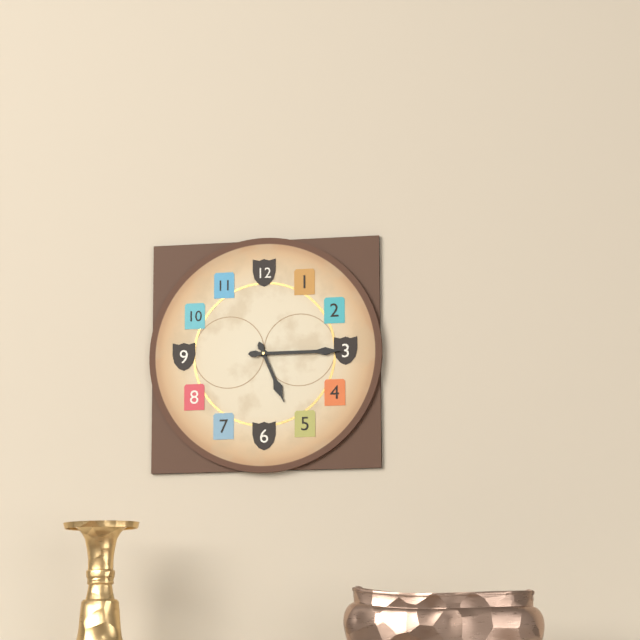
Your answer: **5:15**
